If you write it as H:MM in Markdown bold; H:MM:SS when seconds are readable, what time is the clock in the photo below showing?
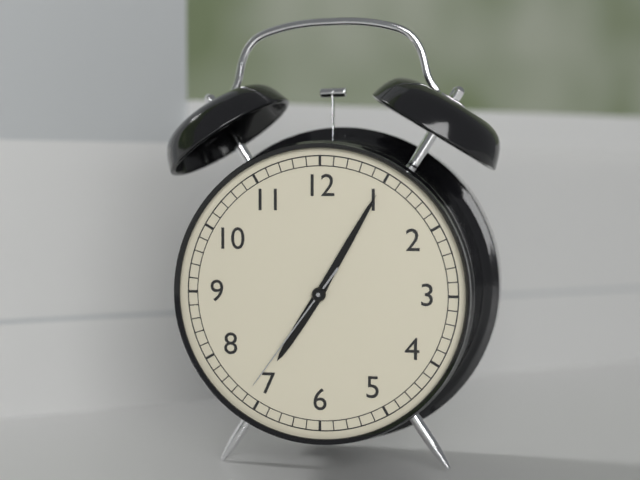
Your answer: **7:05:36**
